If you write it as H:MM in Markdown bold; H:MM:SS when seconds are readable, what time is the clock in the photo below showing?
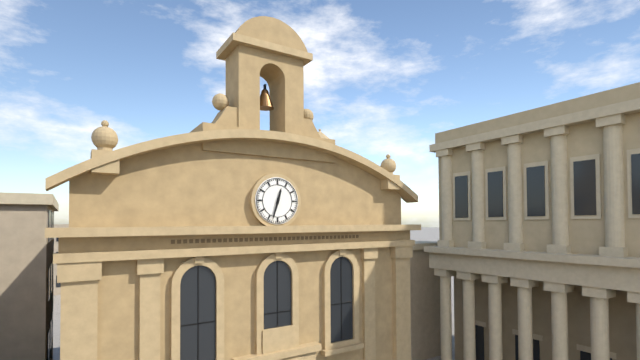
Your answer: **12:33**
